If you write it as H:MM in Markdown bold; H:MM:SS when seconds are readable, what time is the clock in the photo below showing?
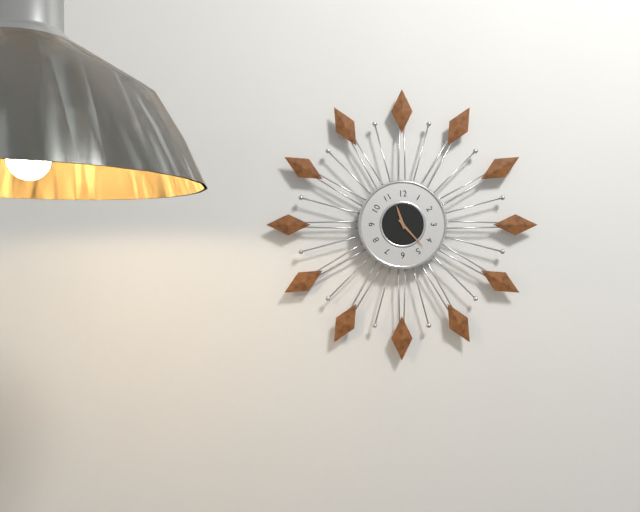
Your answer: **11:23**
